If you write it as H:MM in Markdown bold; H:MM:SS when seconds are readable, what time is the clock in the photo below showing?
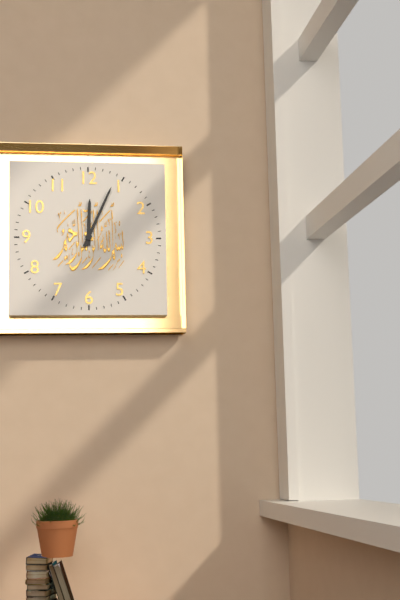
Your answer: **12:04**
